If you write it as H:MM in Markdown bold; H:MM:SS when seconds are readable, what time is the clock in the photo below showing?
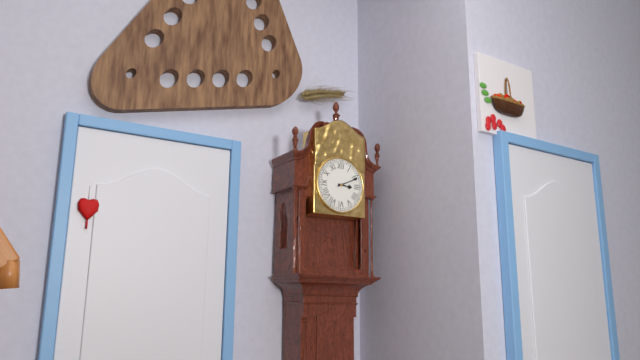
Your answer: **3:11**
